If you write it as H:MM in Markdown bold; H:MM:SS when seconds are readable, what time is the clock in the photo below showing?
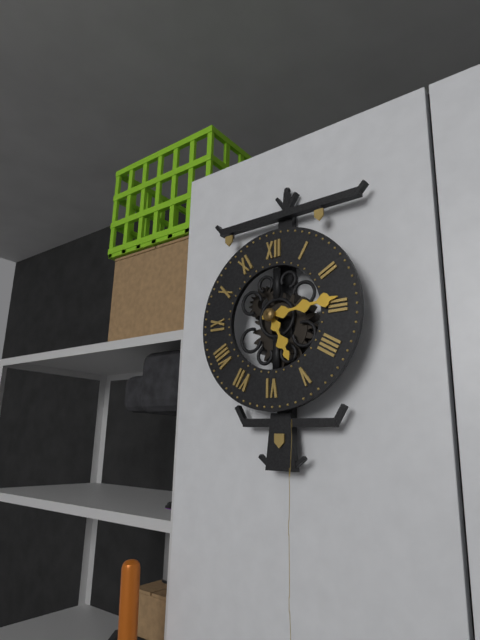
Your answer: **5:14**
